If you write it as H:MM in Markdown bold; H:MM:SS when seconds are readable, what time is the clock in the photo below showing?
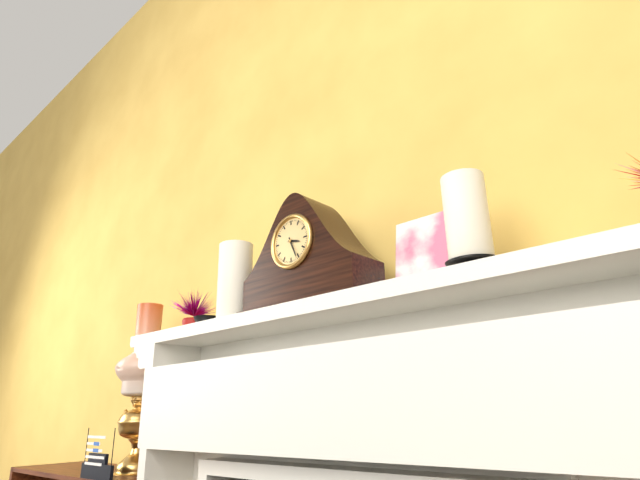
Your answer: **3:26**
